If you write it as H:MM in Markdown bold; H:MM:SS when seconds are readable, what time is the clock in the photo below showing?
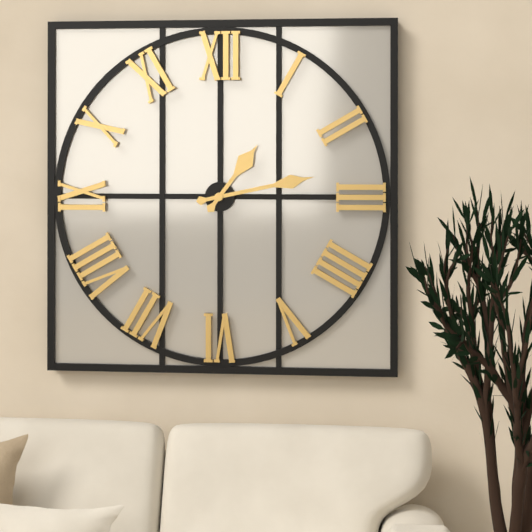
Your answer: **1:13**
